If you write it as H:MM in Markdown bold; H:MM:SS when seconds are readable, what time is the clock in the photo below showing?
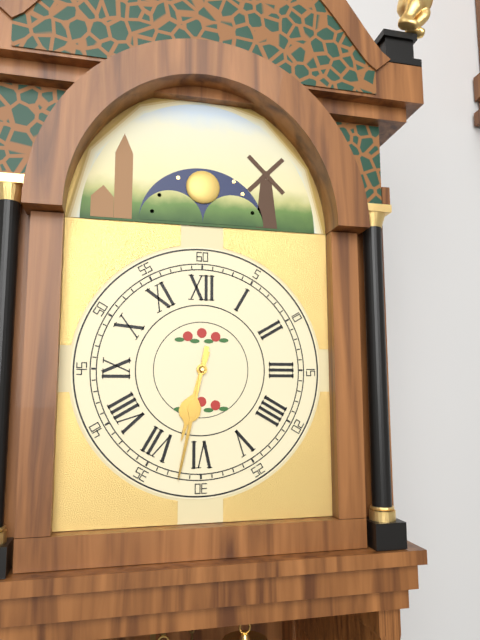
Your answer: **6:32**
